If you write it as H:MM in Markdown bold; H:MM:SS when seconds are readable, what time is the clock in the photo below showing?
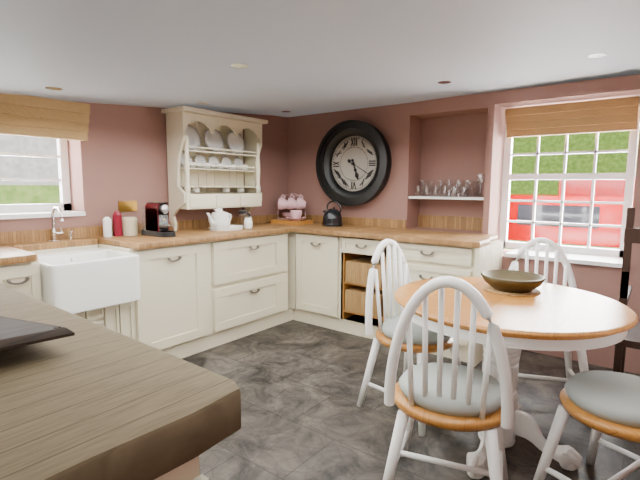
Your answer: **5:20**
